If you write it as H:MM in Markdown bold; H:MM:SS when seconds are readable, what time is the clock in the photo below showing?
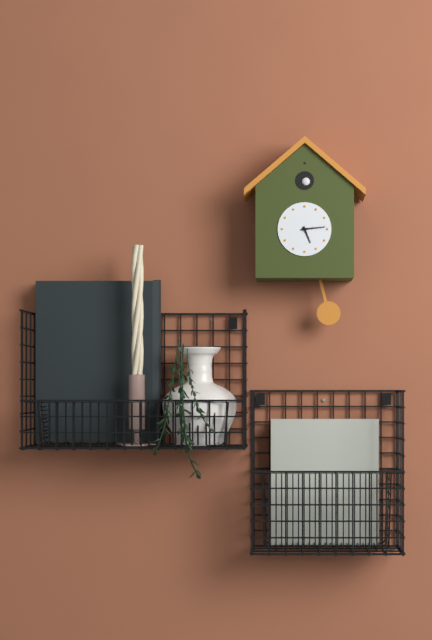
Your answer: **5:14**
